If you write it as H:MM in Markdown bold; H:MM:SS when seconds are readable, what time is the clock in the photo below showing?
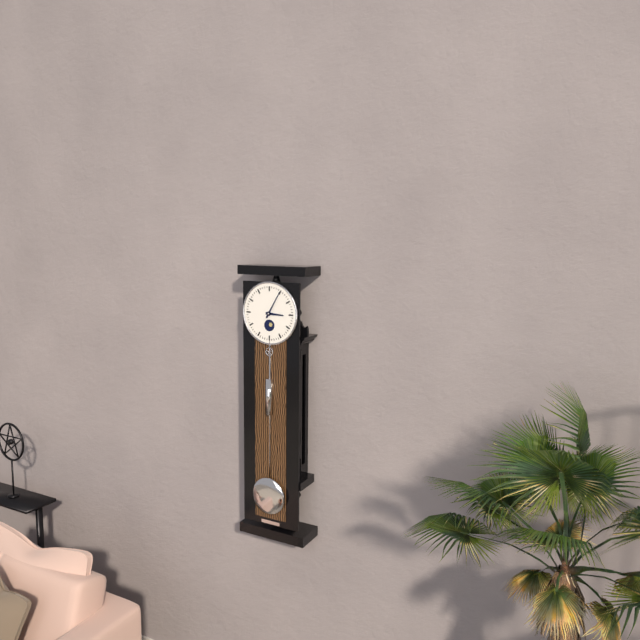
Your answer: **3:05**
